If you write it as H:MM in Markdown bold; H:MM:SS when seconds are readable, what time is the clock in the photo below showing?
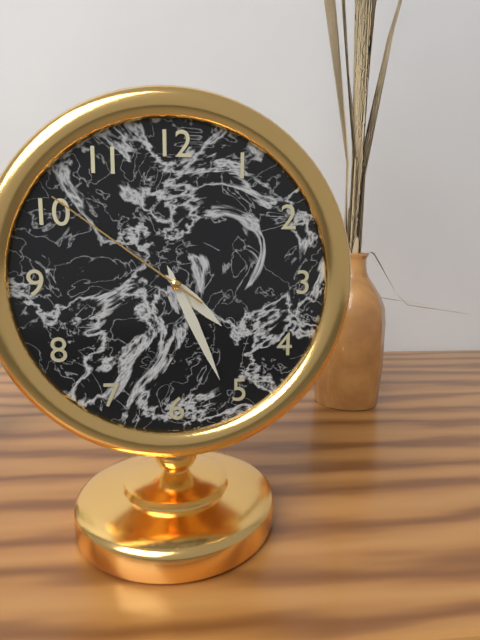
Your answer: **4:26:51**
